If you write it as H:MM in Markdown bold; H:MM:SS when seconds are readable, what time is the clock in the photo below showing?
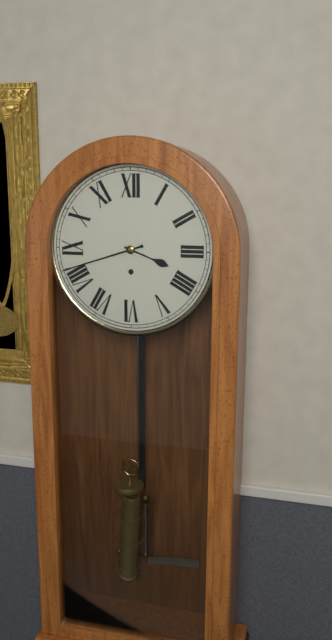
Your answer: **3:42**
